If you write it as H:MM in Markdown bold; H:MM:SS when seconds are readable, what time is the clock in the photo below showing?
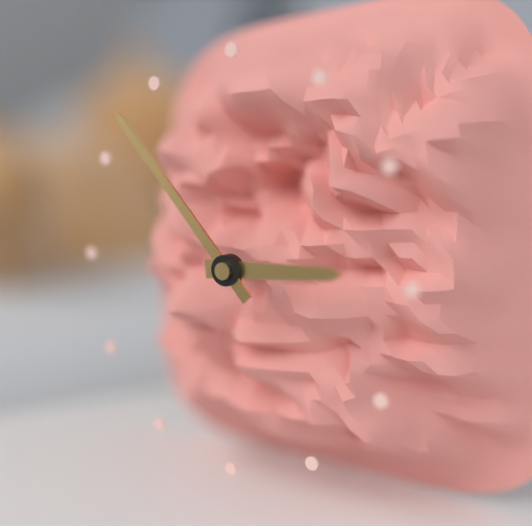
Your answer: **2:53**
